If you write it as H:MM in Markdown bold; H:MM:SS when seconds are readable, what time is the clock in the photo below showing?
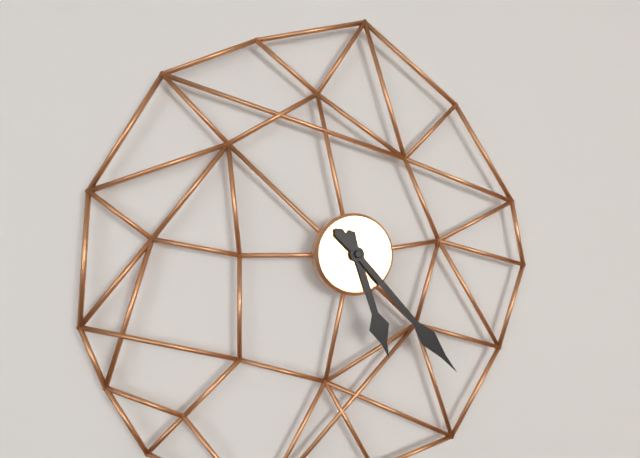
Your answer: **5:23**
